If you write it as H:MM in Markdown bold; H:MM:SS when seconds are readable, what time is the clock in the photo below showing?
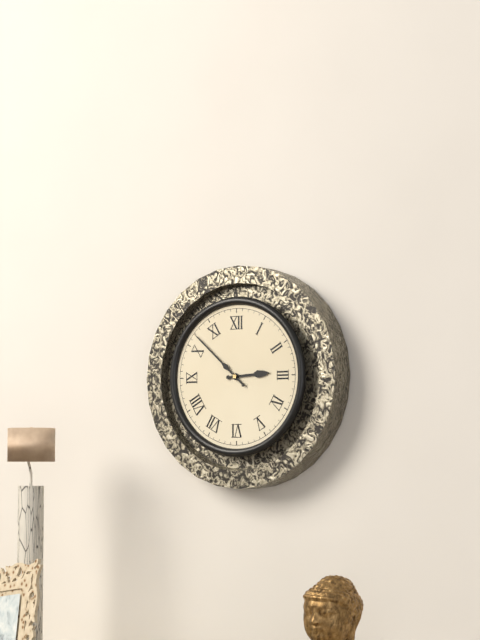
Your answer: **2:52**
